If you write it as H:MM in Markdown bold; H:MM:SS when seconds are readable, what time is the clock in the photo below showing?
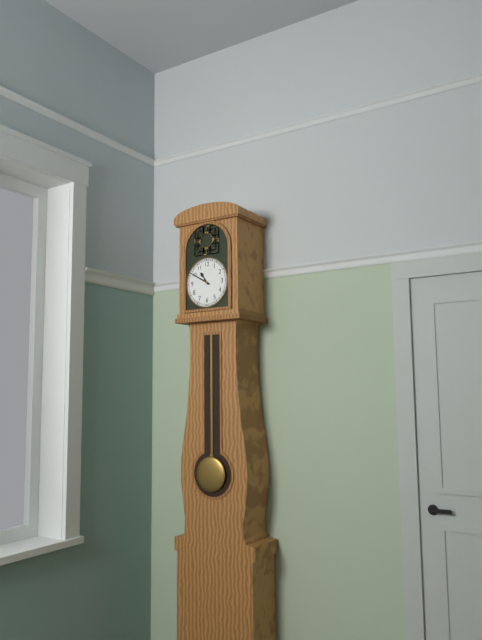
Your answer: **10:50**
